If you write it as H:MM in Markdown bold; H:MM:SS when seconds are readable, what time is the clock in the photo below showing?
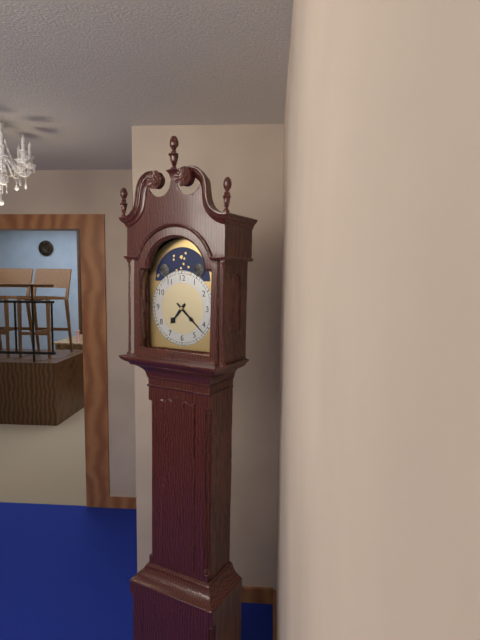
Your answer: **7:22**
